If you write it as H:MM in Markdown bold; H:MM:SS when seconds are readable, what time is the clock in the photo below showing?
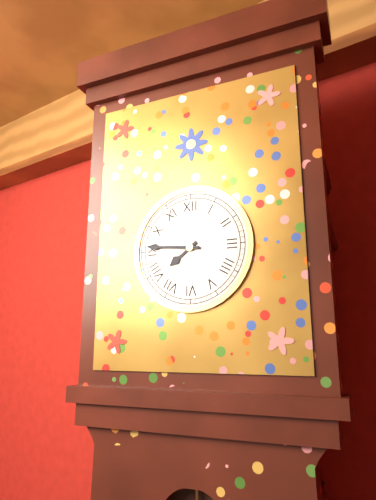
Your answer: **7:46**
